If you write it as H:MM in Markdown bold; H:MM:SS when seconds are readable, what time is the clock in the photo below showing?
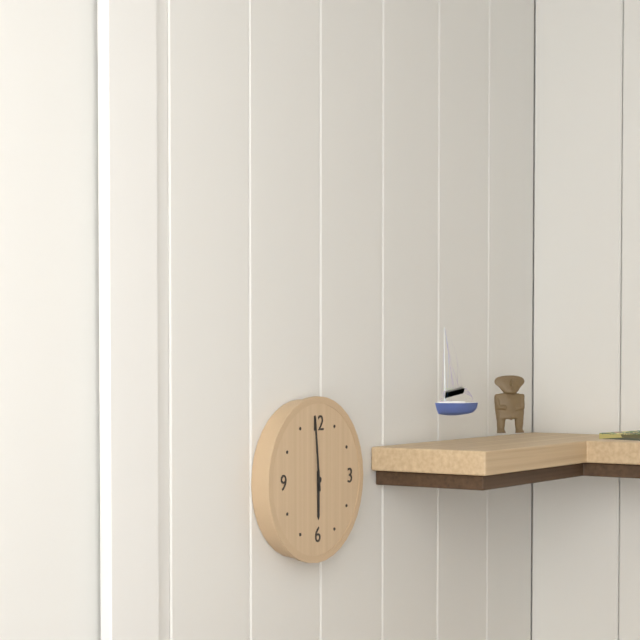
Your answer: **5:59**
